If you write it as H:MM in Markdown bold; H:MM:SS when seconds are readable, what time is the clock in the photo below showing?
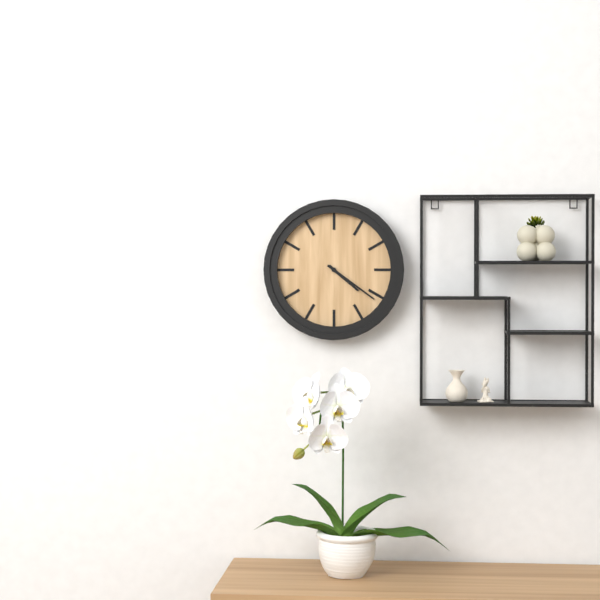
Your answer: **4:21**
